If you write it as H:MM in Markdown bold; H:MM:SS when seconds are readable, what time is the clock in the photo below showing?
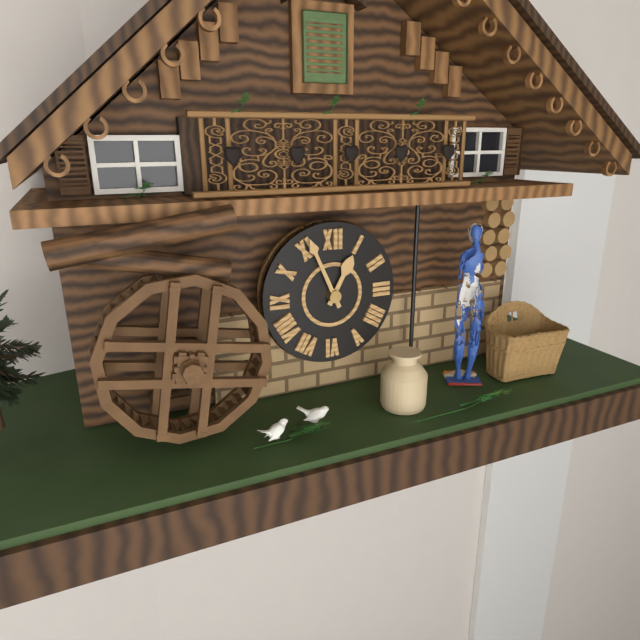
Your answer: **12:56**
